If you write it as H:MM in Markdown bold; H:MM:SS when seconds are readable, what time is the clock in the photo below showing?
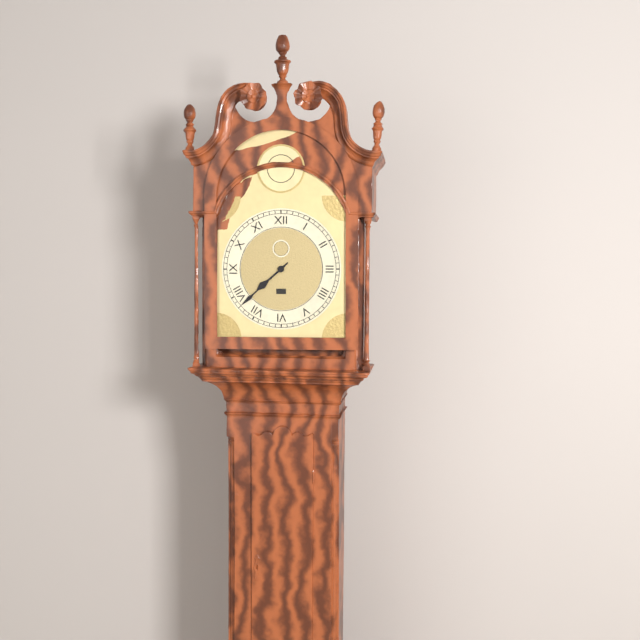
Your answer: **7:38**
